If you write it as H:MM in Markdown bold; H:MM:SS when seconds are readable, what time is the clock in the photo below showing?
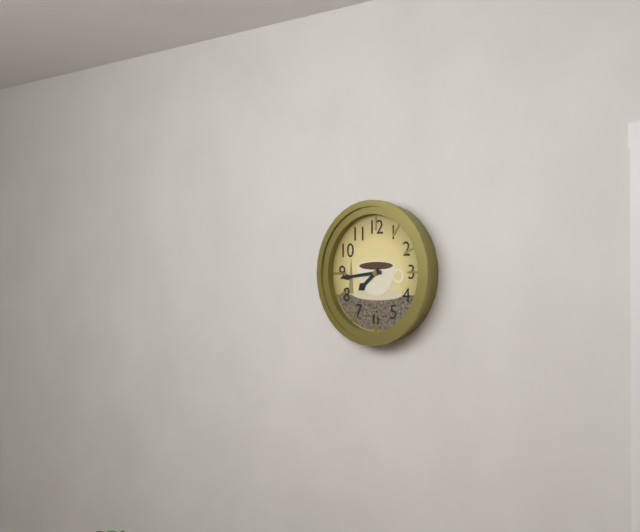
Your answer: **7:44**
